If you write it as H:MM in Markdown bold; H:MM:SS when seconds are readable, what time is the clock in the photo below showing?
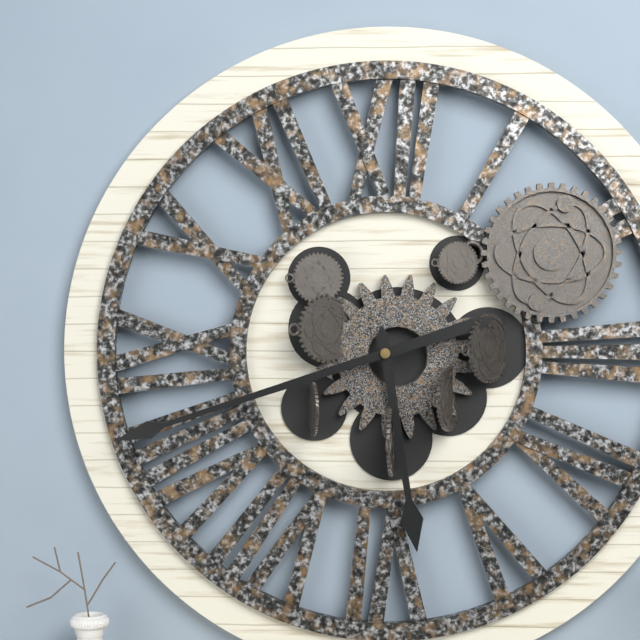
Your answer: **5:42**
